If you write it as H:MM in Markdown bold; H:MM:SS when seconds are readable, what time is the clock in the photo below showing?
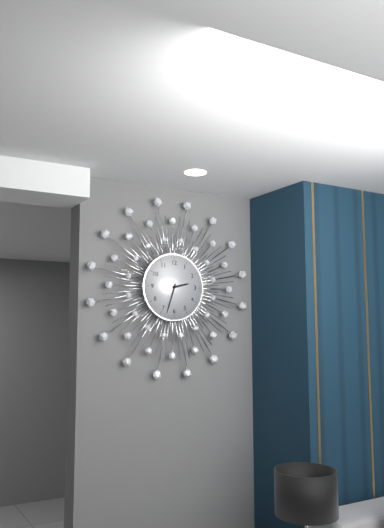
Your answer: **2:33**
